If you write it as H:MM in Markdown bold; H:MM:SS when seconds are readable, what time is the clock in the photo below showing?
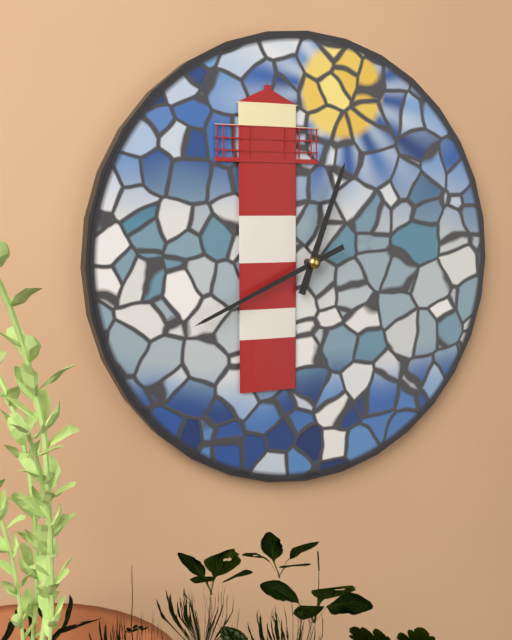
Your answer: **12:41**
